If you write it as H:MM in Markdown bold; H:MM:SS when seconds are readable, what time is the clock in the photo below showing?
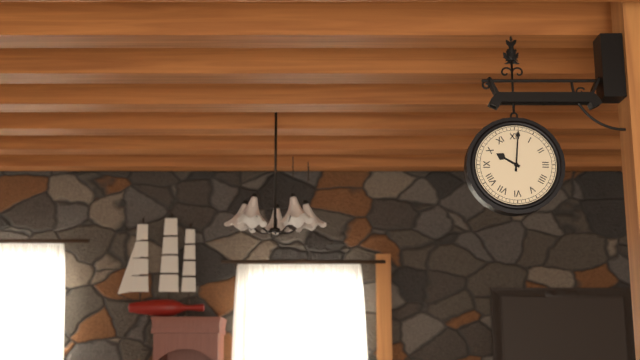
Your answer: **10:01**
